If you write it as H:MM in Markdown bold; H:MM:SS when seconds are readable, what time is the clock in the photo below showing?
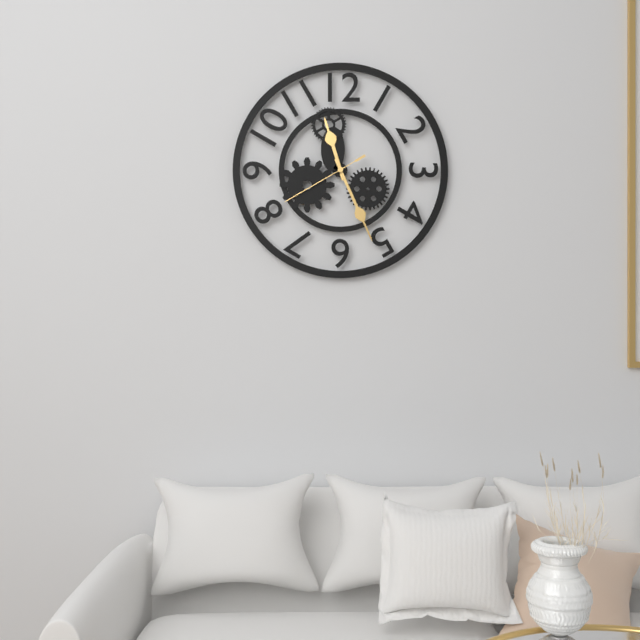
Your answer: **11:26:40**
